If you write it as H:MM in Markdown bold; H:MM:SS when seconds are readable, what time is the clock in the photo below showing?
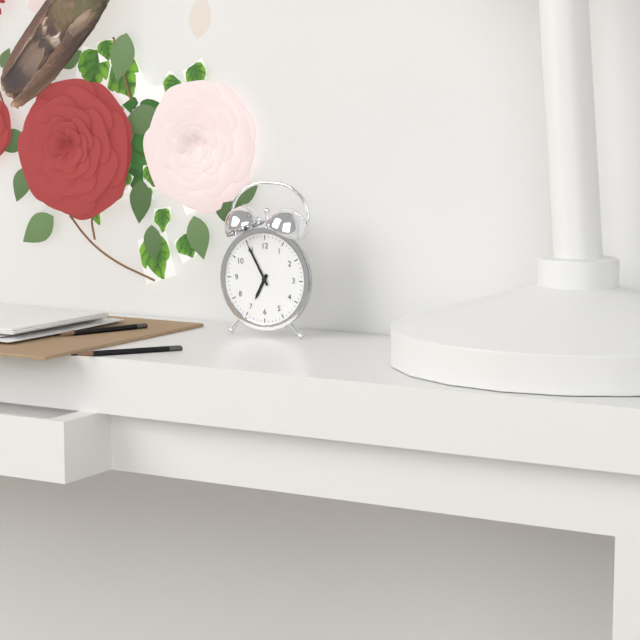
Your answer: **6:55**
